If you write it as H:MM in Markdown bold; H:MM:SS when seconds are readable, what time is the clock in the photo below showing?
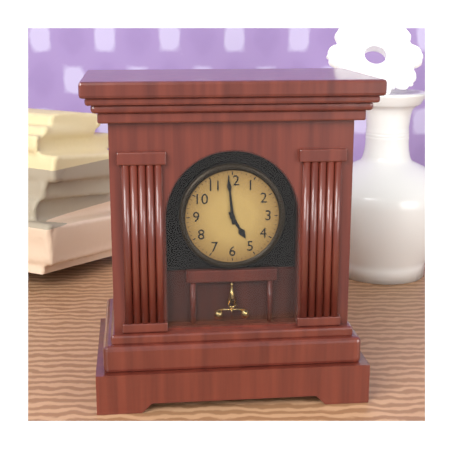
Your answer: **4:59**
